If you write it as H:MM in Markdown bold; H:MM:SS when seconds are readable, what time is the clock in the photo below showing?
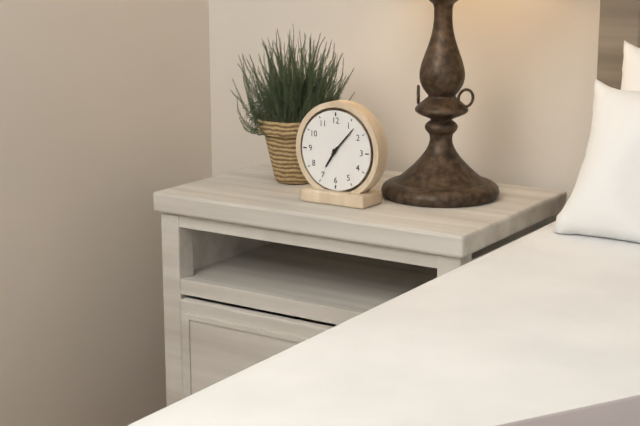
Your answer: **7:07**
